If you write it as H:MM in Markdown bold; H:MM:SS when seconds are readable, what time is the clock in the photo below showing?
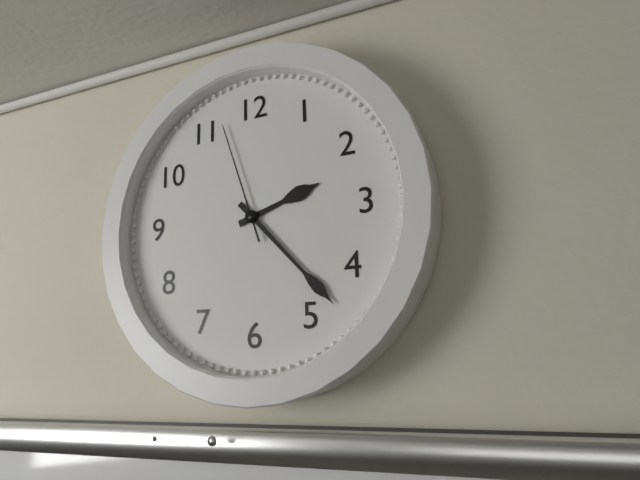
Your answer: **2:23:57**
